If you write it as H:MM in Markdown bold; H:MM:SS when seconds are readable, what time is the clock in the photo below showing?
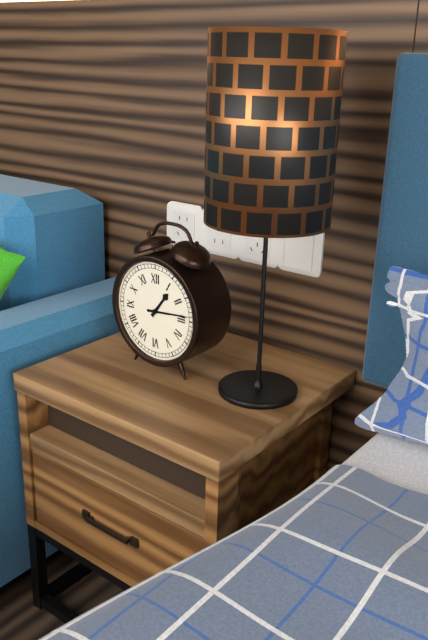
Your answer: **1:14**
